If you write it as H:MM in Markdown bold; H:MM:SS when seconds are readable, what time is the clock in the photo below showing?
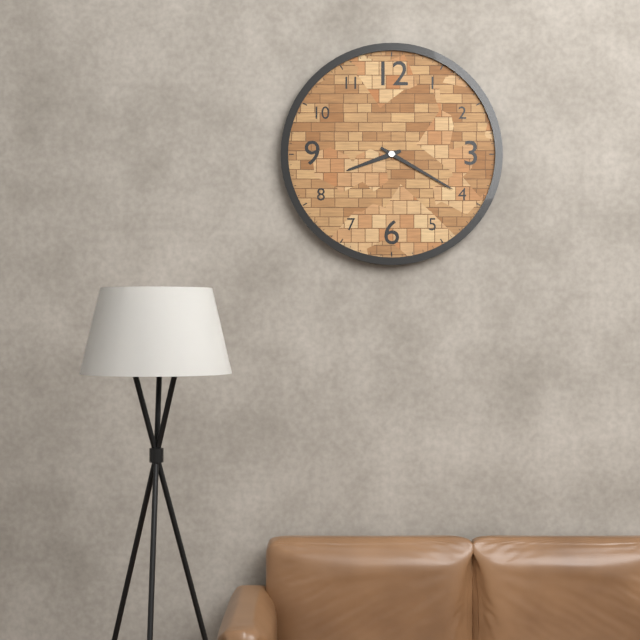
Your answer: **8:20**
